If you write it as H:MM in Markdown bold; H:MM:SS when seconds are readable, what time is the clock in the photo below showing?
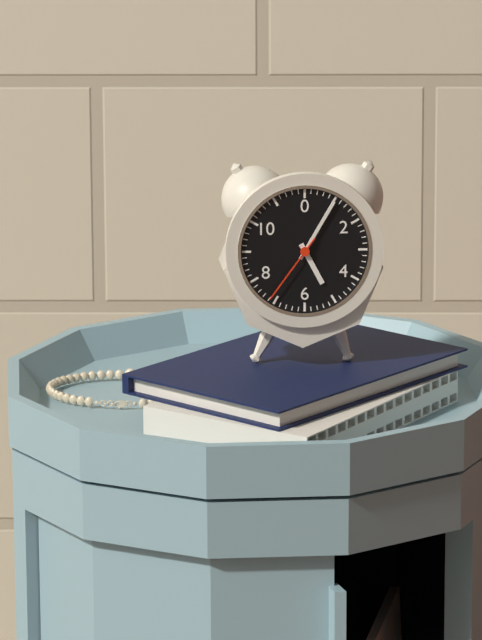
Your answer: **5:05:36**
